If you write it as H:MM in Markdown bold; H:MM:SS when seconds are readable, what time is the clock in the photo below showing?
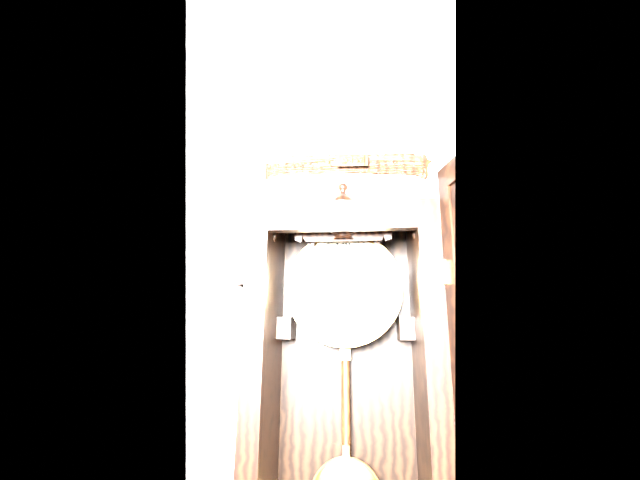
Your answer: **11:32**
